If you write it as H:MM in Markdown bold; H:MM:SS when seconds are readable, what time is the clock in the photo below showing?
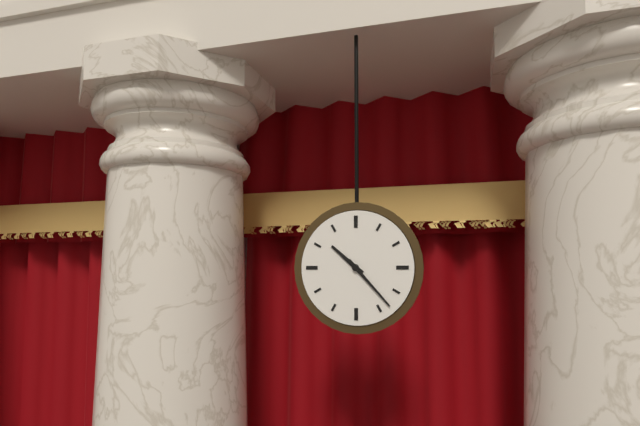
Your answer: **10:23**
